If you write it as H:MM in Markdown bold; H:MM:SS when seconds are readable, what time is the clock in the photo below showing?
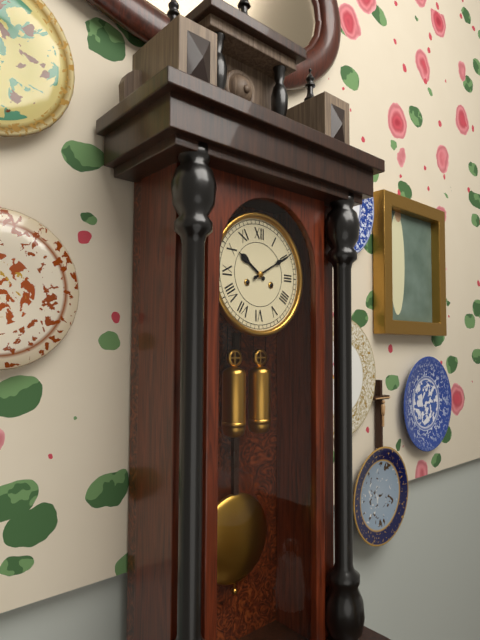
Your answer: **10:10**
